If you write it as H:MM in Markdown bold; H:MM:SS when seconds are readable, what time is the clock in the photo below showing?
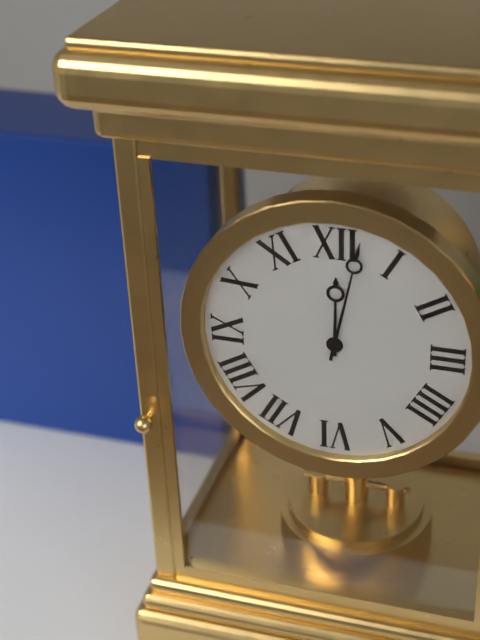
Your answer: **12:02**
